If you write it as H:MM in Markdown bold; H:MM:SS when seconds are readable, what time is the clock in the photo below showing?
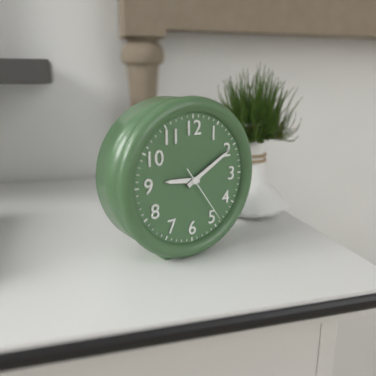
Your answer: **9:10:24**
